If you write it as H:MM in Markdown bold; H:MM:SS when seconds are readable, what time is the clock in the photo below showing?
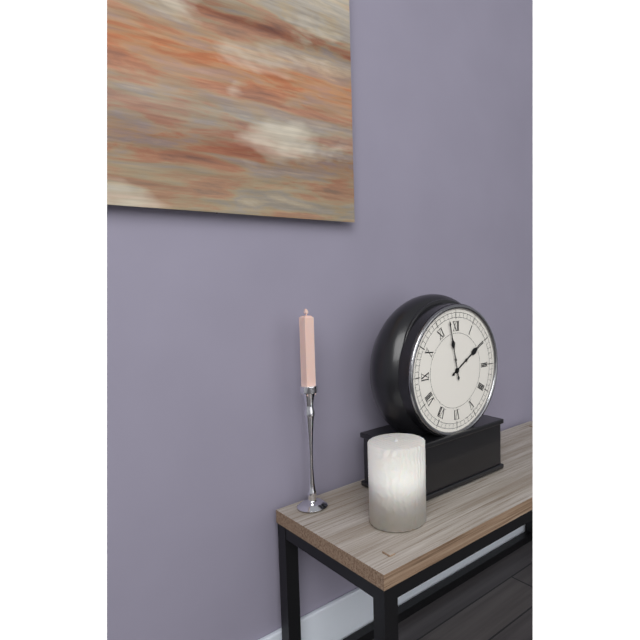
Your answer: **1:58**
